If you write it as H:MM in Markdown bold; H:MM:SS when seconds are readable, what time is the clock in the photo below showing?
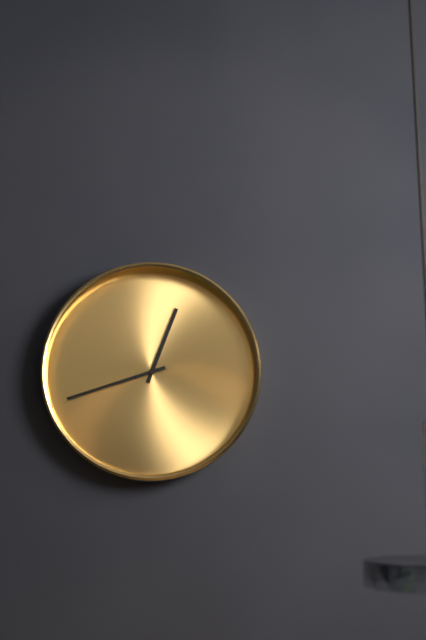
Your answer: **12:42**
